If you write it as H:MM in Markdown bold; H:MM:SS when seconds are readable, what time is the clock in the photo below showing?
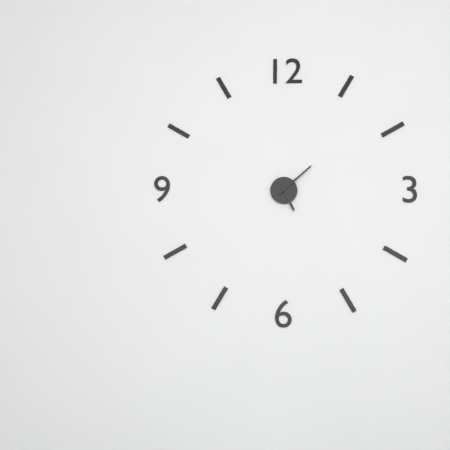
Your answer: **5:08**
